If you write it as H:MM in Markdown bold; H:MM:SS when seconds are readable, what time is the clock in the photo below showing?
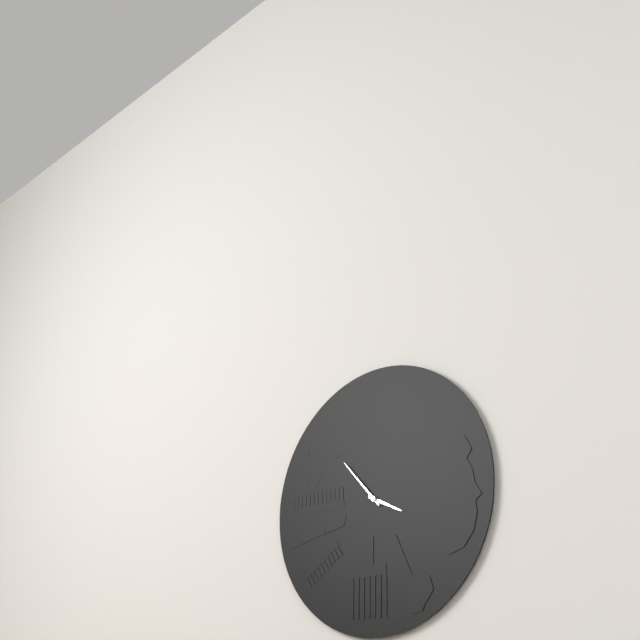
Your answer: **3:53**
